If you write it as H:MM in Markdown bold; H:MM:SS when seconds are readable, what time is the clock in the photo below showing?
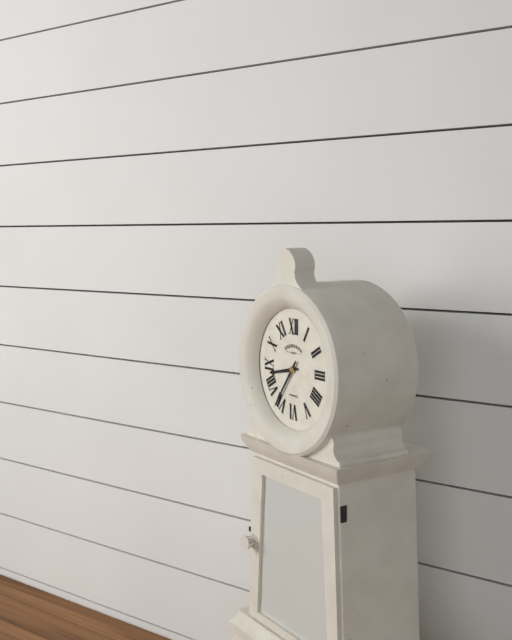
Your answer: **8:36**
